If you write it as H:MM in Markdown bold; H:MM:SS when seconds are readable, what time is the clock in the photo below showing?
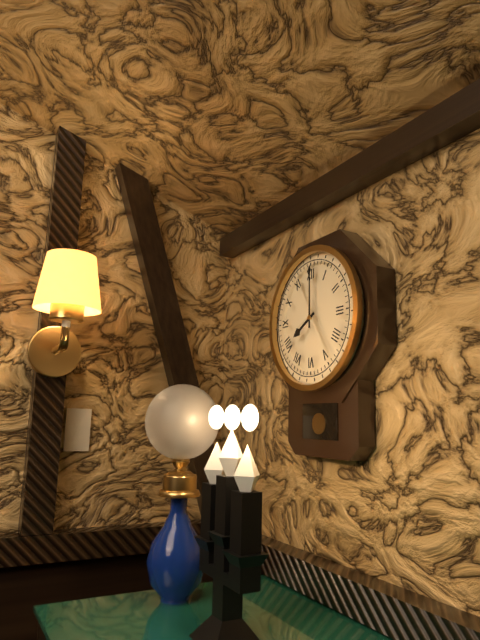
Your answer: **8:00**
